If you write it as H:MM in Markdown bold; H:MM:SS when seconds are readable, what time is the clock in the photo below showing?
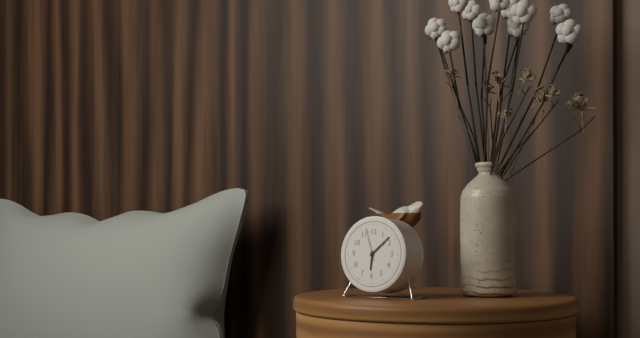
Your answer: **6:08**
